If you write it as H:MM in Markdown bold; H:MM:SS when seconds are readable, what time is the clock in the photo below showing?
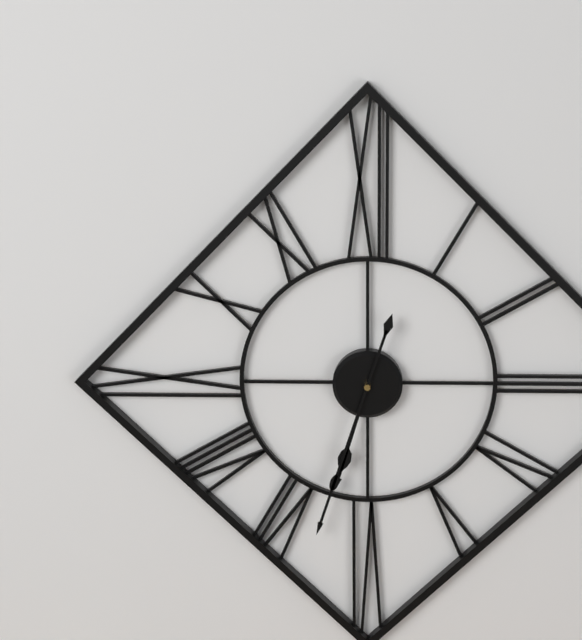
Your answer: **6:33**
